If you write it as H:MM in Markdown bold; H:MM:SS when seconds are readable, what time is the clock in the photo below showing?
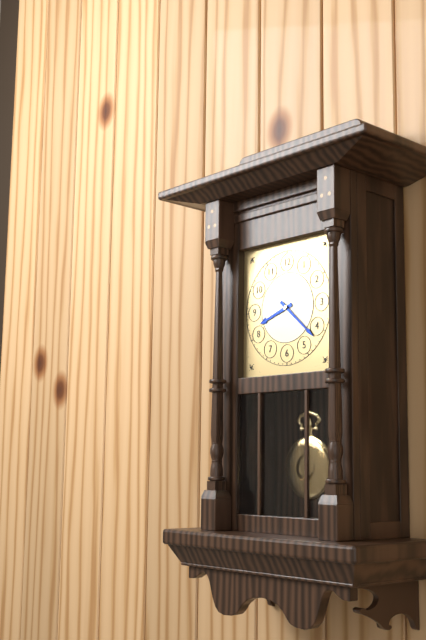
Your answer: **8:22**
